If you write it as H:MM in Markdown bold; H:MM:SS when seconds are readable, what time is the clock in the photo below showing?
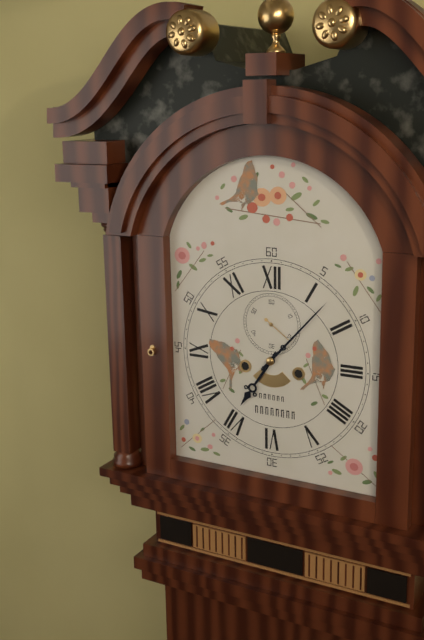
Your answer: **7:07**
